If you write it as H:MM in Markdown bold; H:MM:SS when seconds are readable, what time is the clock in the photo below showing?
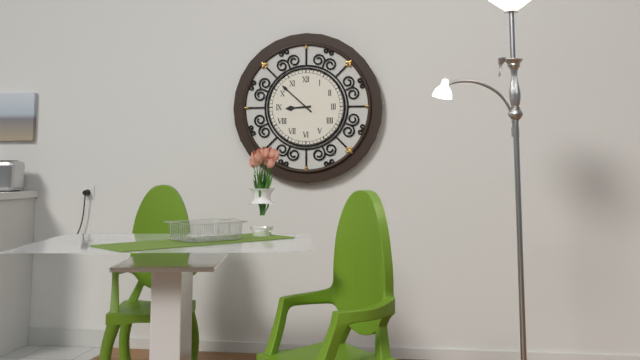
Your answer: **8:52**
